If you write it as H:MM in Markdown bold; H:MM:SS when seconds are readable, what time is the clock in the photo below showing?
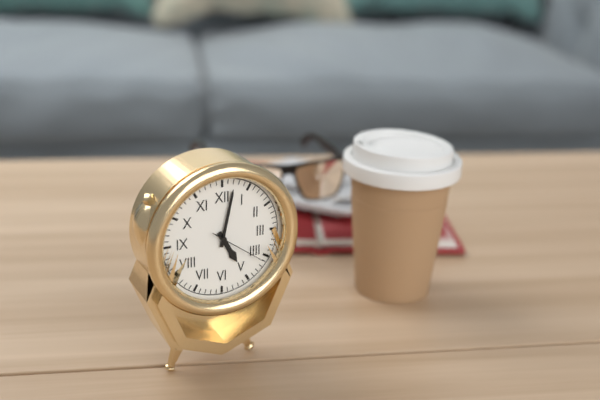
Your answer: **5:02:21**
